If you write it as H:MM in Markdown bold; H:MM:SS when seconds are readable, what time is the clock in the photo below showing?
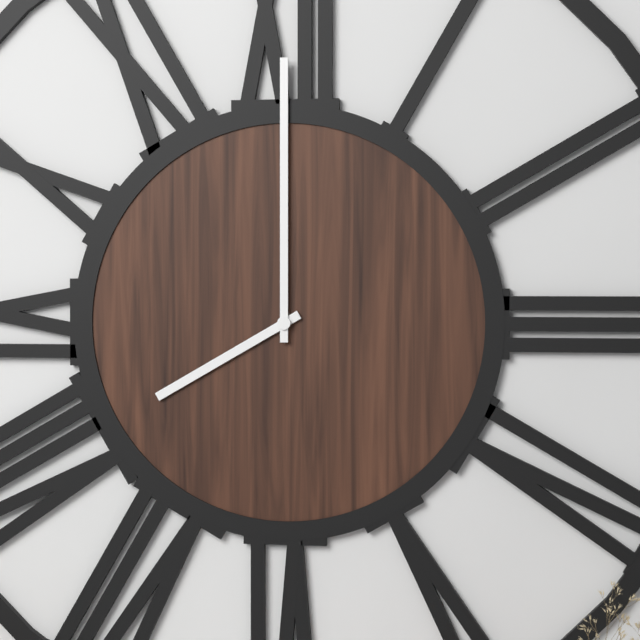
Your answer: **8:00**
